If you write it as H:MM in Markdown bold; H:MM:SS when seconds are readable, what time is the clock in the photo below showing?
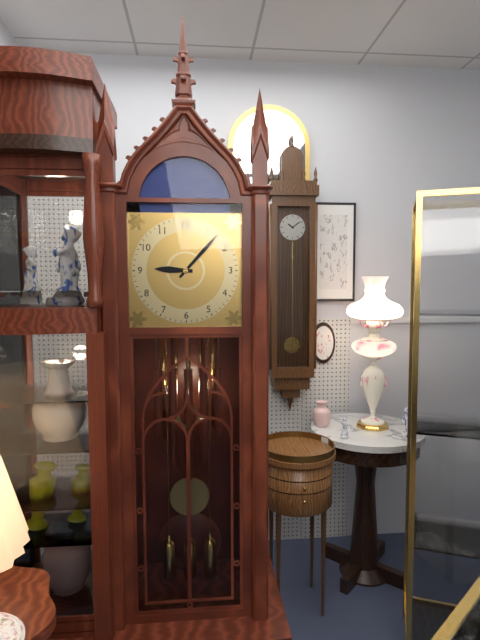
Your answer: **9:07**
